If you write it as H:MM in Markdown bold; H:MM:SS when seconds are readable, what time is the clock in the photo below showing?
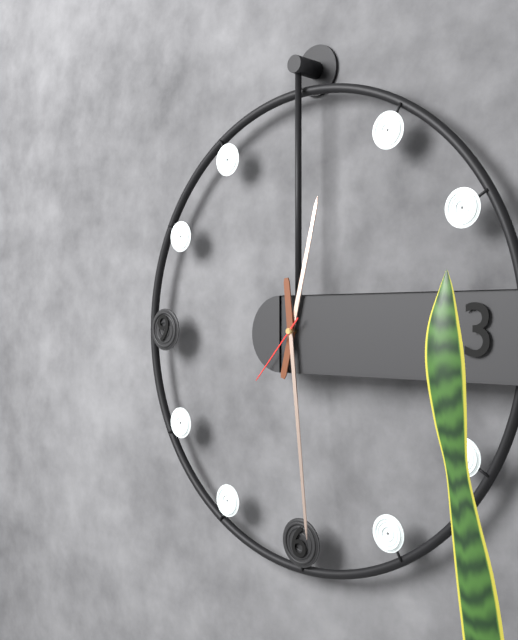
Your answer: **12:29:37**
